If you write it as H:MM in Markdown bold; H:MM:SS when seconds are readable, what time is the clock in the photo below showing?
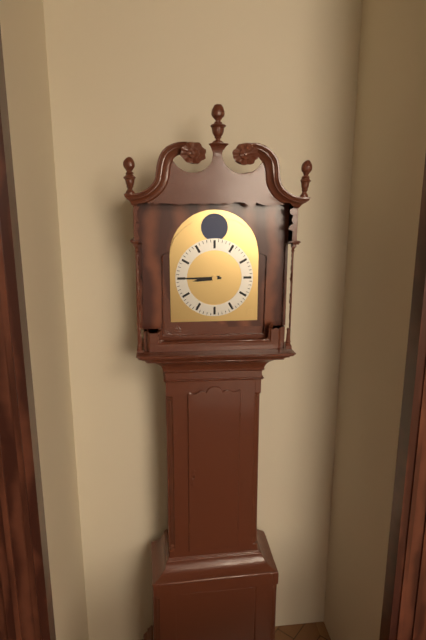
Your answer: **8:45**
